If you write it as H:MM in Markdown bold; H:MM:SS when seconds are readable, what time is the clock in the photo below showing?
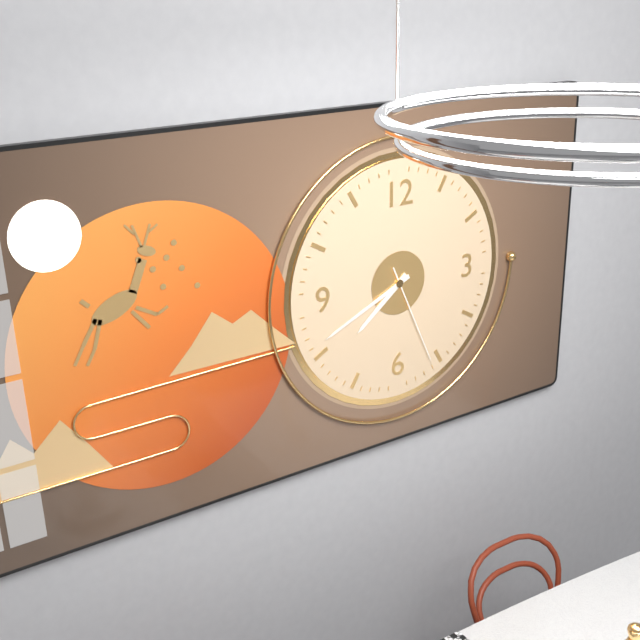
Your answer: **7:41:26**
